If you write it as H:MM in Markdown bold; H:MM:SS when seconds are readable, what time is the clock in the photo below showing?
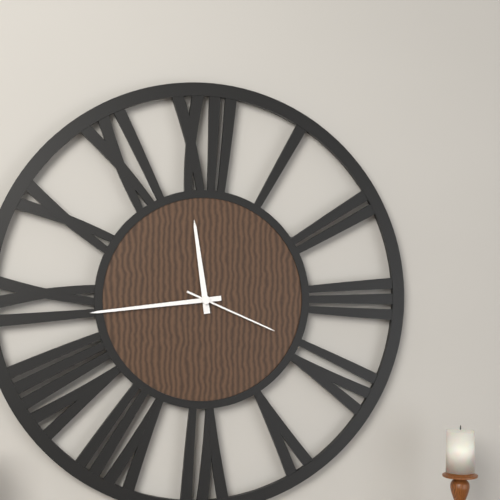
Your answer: **11:44:19**
